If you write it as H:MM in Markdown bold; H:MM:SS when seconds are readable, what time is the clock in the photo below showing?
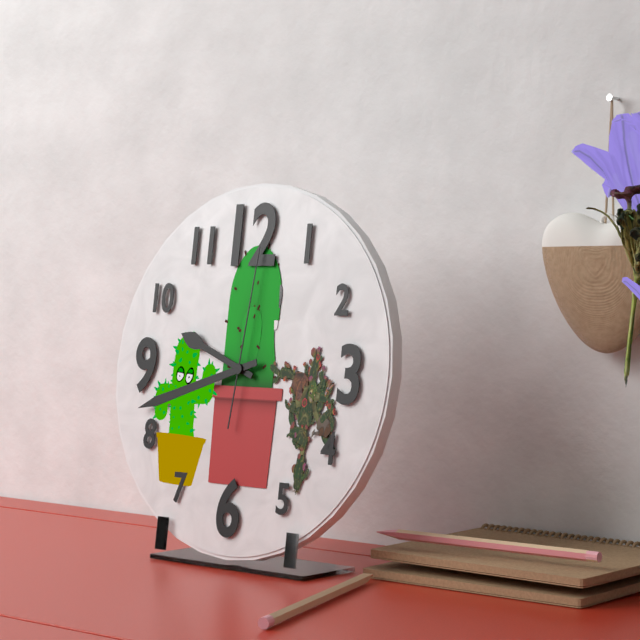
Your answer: **9:42:01**
